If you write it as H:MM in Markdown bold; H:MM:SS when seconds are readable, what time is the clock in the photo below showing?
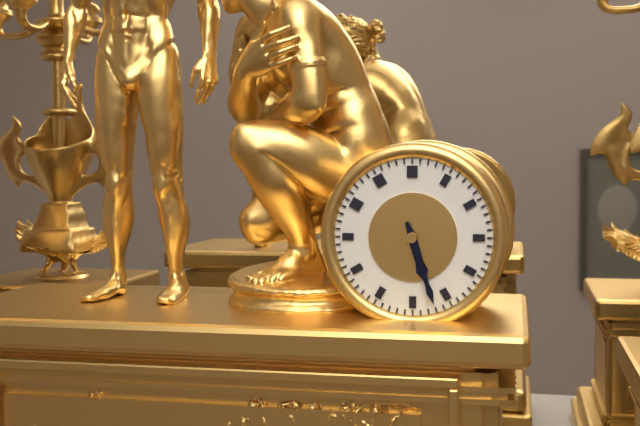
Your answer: **5:27**
